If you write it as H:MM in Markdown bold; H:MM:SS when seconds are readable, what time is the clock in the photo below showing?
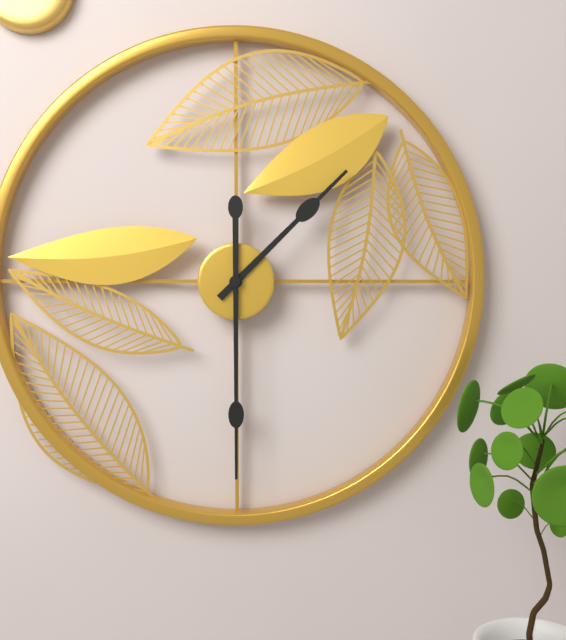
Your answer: **1:30**
